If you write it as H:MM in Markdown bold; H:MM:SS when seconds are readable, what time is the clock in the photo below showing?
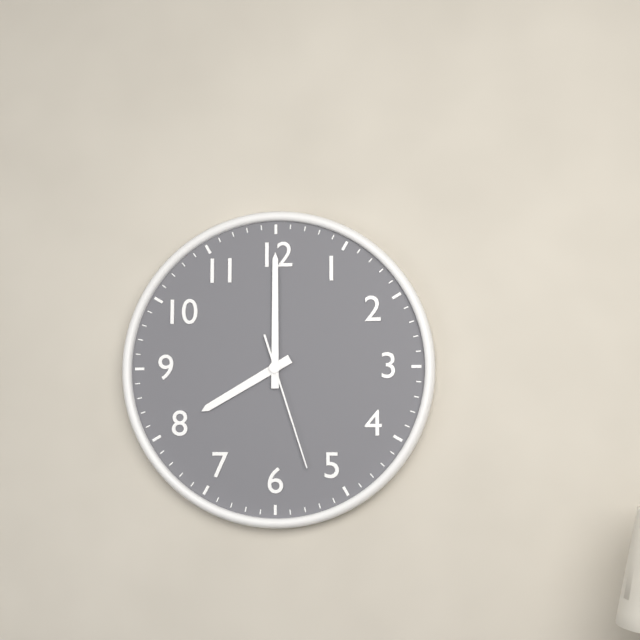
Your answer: **8:00:27**
